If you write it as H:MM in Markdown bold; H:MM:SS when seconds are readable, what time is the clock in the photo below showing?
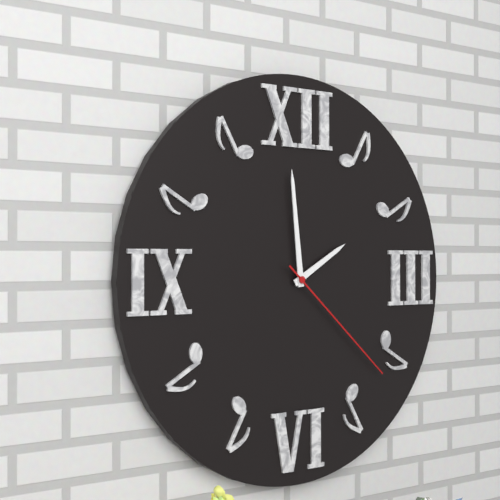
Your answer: **1:59:22**
